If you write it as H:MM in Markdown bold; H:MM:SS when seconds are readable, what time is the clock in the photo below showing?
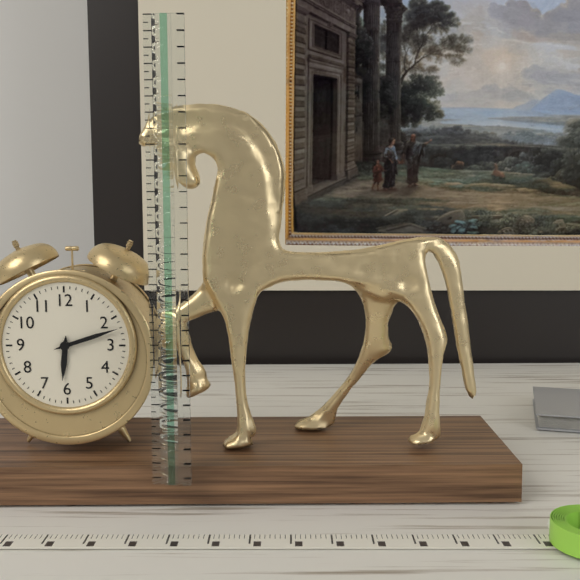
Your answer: **6:12**
